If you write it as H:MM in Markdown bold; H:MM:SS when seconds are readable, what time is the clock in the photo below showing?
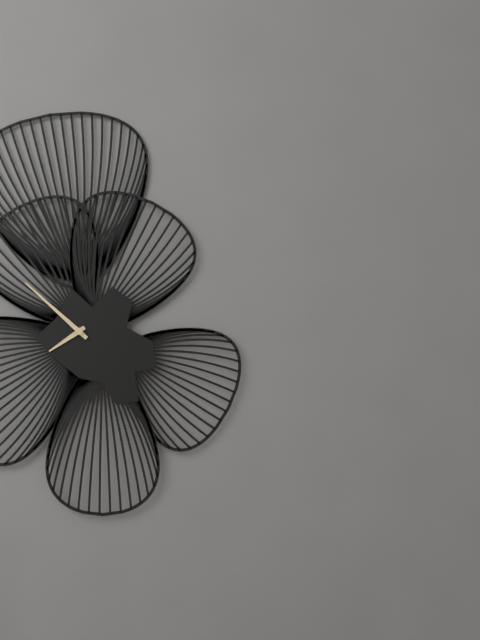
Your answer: **7:52**
